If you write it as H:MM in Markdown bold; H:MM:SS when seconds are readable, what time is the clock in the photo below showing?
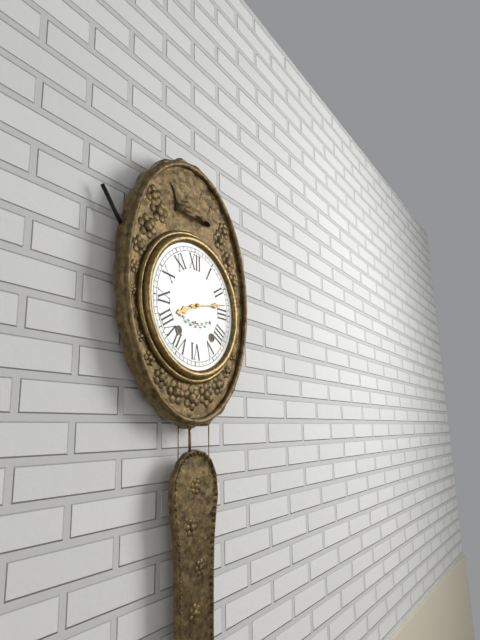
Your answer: **8:13**
